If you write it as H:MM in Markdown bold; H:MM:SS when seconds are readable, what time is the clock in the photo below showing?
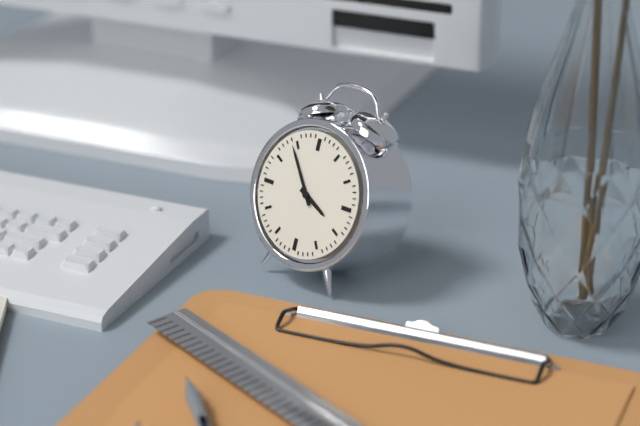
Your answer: **3:54**
